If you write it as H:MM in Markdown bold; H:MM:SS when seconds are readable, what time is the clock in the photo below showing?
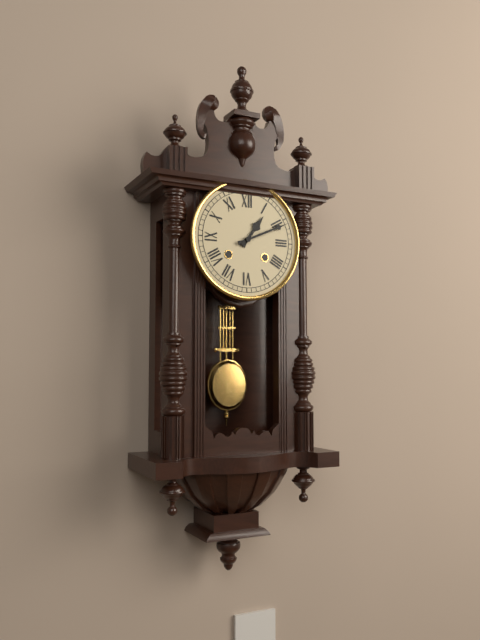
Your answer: **1:11**
